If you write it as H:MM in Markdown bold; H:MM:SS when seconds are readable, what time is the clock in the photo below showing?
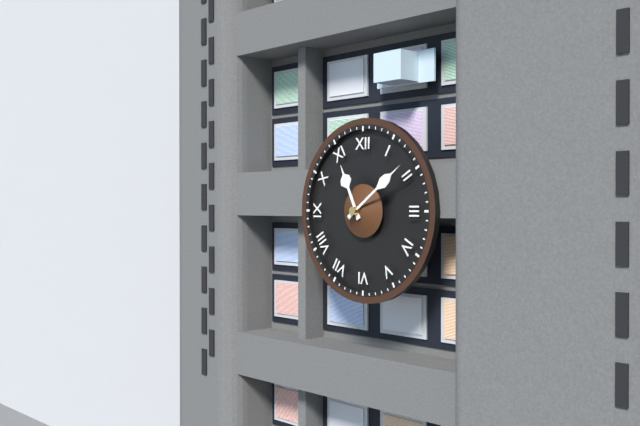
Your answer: **11:09**
